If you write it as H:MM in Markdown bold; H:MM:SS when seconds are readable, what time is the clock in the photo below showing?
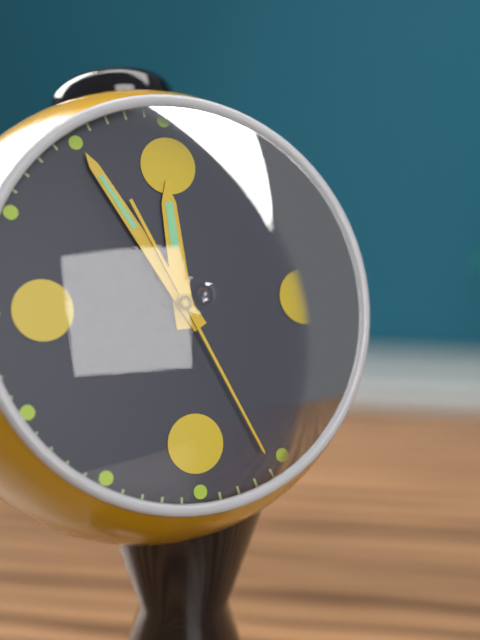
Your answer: **11:55:26**
